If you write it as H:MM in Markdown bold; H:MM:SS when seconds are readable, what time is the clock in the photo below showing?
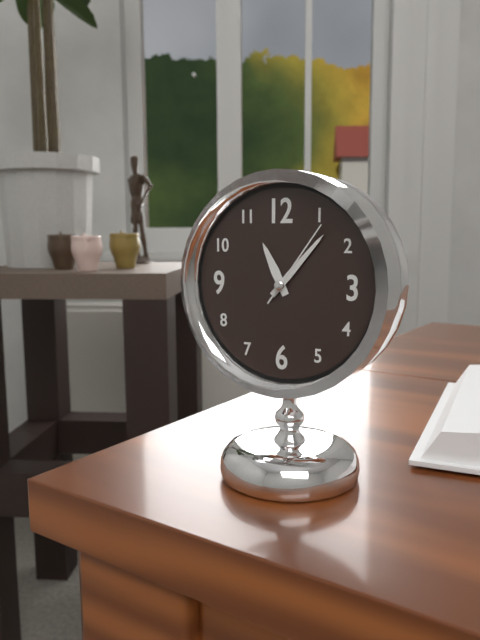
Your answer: **11:07:06**
